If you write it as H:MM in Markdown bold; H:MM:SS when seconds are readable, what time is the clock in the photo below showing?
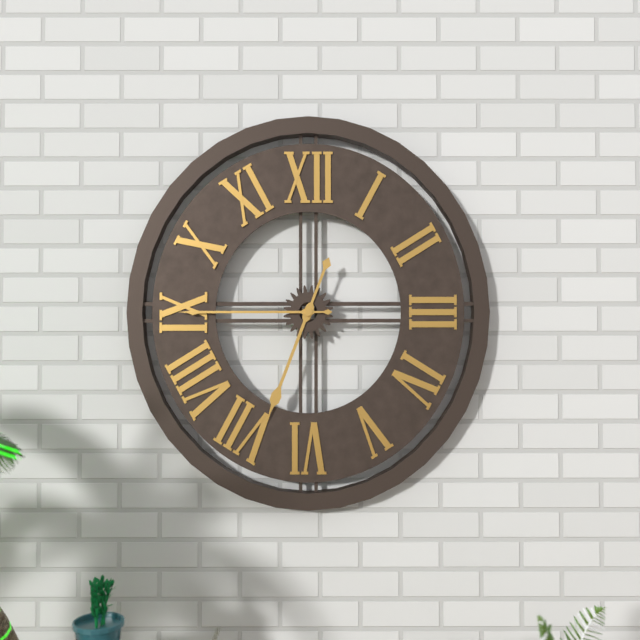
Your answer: **6:45**
